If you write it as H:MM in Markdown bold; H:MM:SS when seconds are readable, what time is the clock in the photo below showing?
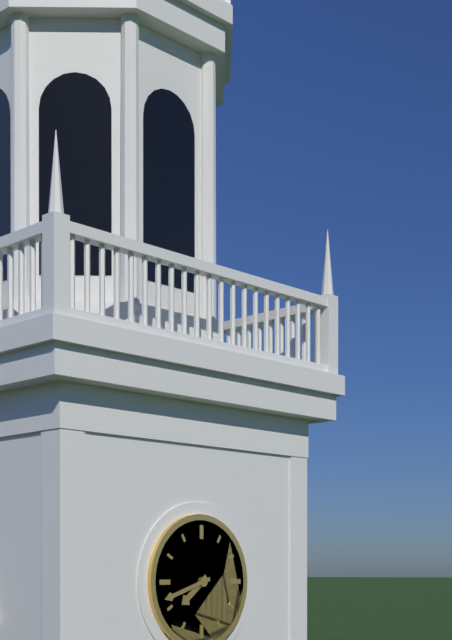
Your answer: **7:42**
